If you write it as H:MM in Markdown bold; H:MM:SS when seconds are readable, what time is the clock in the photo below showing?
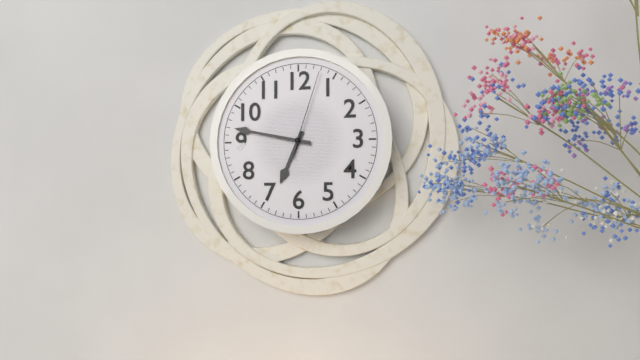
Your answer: **6:47:03**
